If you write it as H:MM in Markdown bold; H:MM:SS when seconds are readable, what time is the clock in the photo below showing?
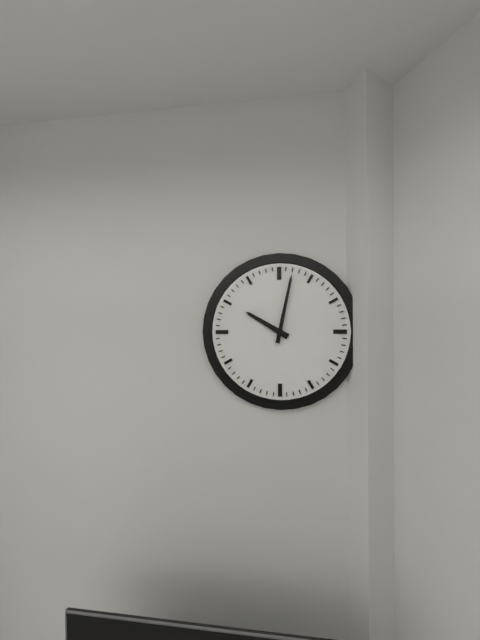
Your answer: **10:02**
